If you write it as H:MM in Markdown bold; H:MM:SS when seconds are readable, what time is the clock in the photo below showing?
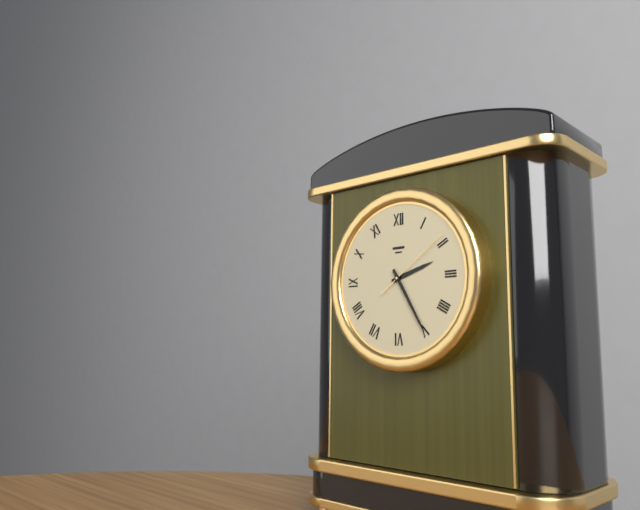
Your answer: **2:25:09**
